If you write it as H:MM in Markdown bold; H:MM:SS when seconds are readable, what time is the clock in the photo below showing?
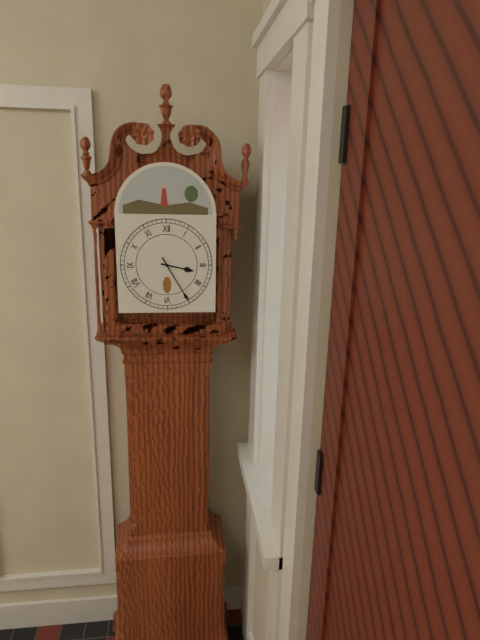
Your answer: **3:25**
